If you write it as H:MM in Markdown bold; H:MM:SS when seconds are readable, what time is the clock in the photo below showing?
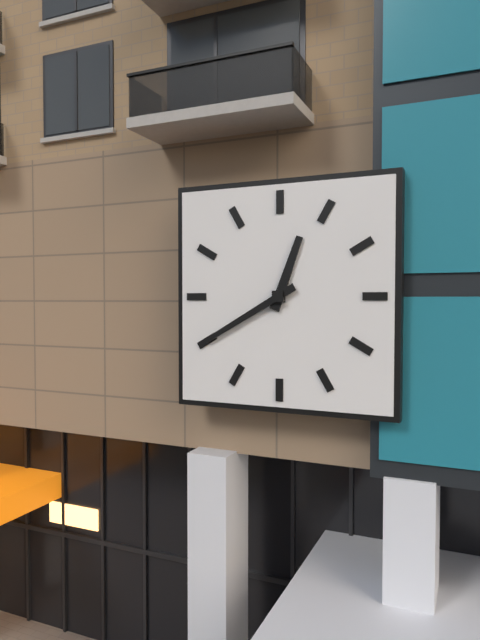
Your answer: **12:40**
